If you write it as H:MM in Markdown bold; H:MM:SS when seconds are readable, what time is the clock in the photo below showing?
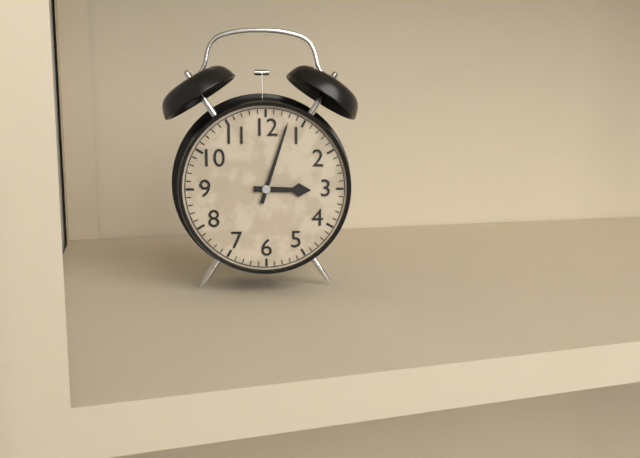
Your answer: **3:03**
